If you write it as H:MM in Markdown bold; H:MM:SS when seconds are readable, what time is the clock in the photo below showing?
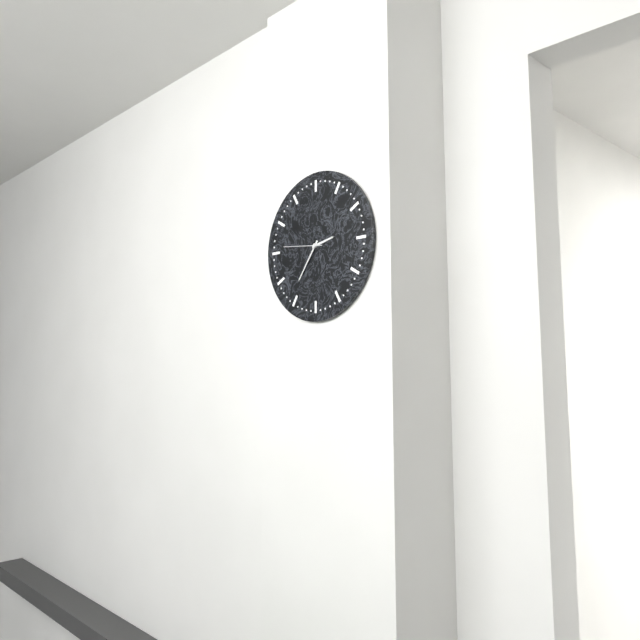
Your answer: **2:36**
